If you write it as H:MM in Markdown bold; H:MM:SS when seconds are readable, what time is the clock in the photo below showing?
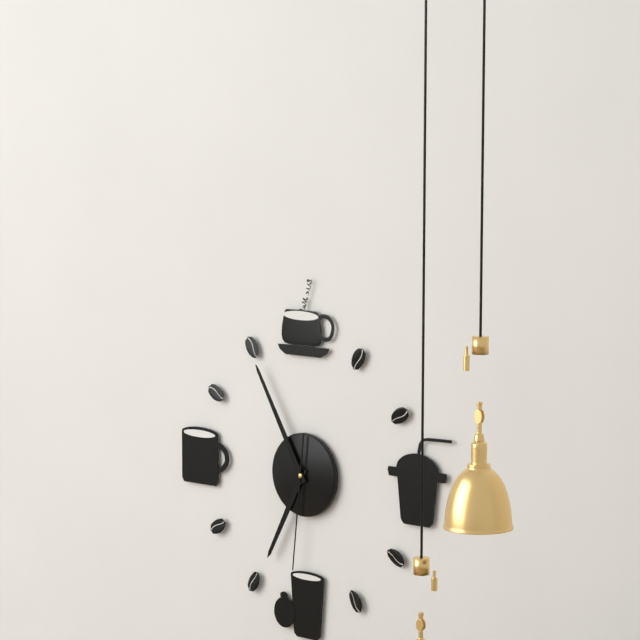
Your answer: **6:55:31**
